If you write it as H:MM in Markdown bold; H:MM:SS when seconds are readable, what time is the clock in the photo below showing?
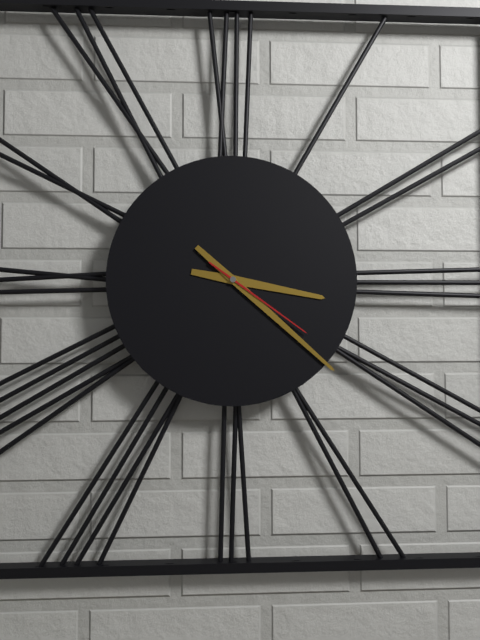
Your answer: **3:22:21**
